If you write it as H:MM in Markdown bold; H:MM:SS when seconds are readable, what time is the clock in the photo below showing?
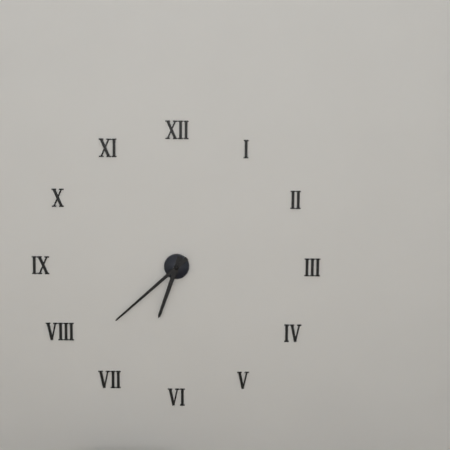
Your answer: **6:38**
